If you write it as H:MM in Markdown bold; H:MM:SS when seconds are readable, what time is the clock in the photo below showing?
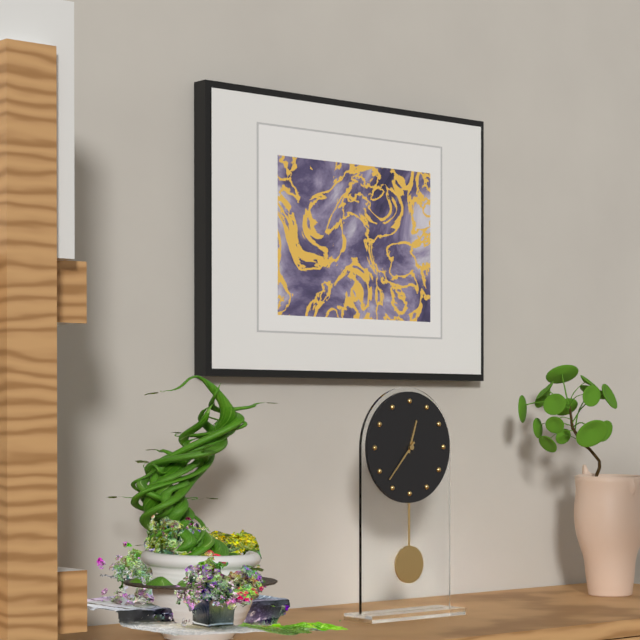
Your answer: **12:37**
